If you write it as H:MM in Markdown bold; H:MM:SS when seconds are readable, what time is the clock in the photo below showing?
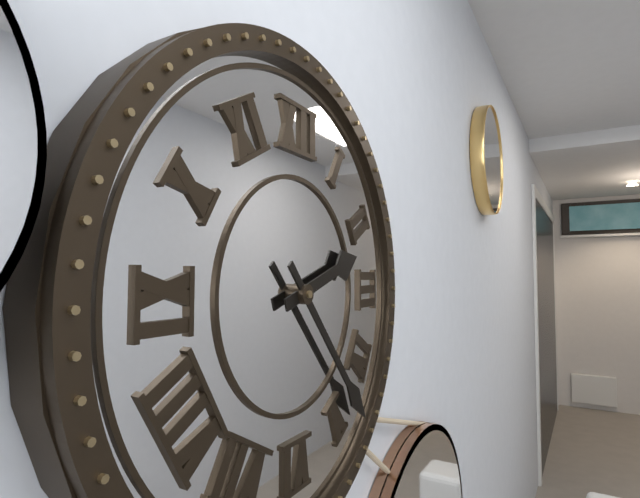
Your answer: **2:23**
